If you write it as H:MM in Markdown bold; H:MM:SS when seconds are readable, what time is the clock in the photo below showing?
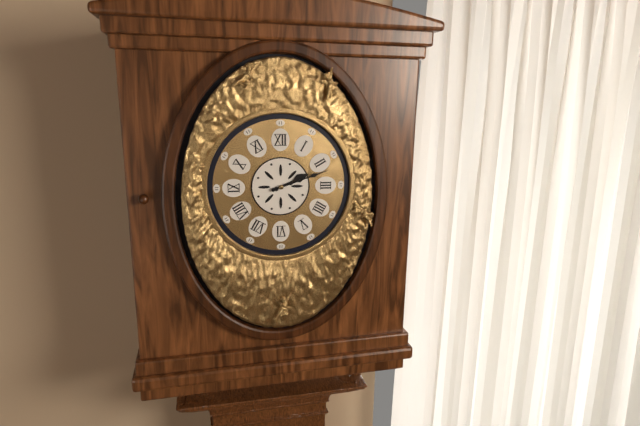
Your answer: **2:12**
